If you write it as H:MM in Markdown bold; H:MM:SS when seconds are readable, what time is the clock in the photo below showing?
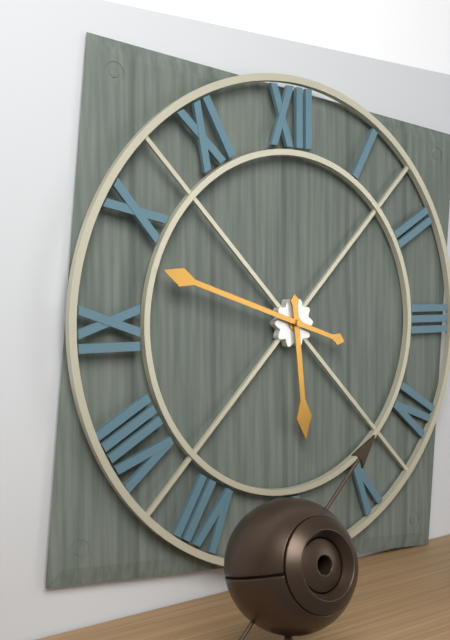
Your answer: **5:48**
